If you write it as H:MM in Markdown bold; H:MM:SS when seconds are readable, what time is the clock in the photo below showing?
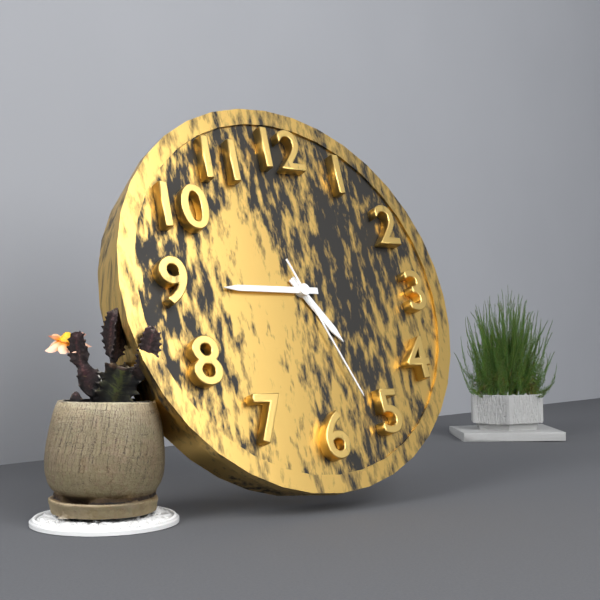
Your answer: **4:45:26**
